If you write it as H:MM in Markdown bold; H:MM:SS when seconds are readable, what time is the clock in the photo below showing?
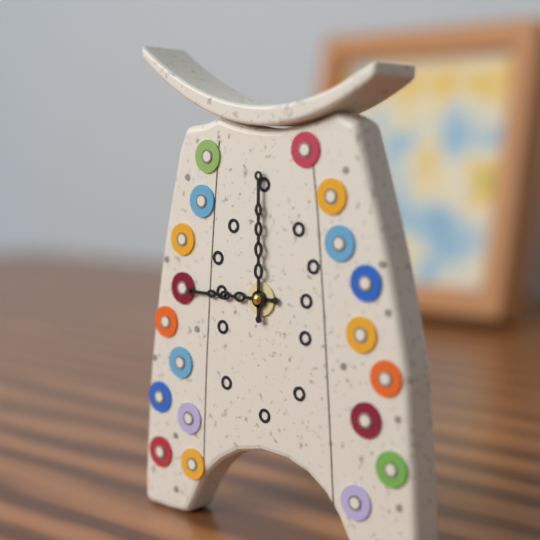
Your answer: **9:00**
